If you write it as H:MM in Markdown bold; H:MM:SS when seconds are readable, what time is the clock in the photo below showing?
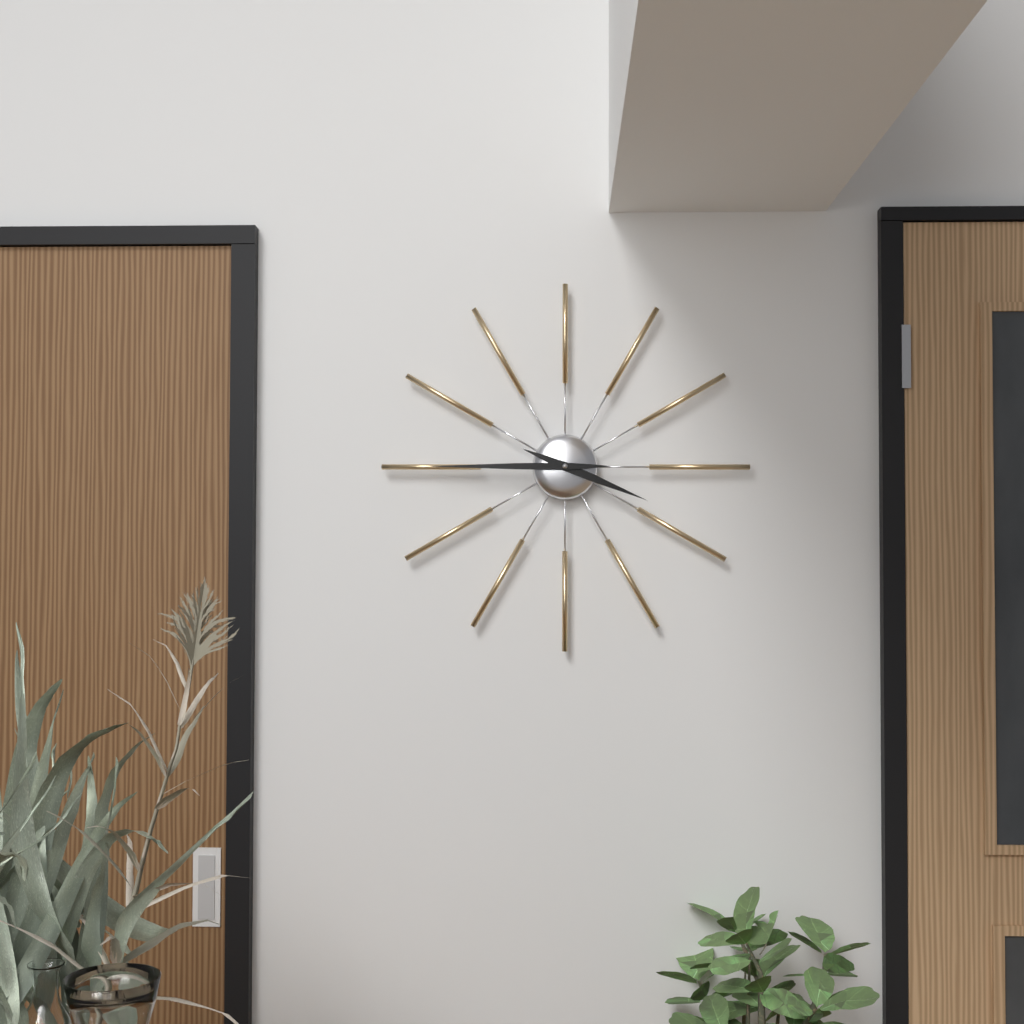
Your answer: **3:45**
